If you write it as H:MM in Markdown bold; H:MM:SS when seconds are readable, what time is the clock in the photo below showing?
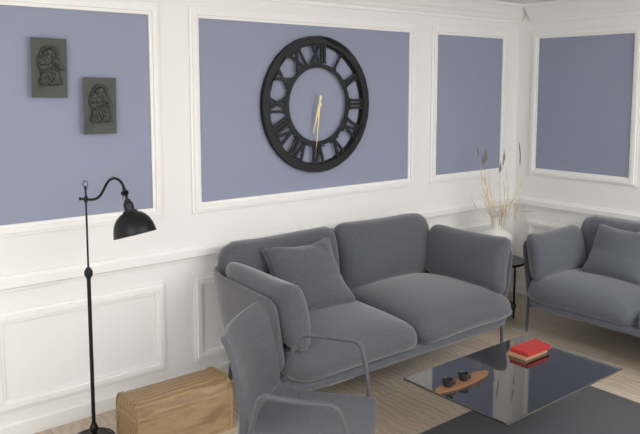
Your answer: **6:31**
